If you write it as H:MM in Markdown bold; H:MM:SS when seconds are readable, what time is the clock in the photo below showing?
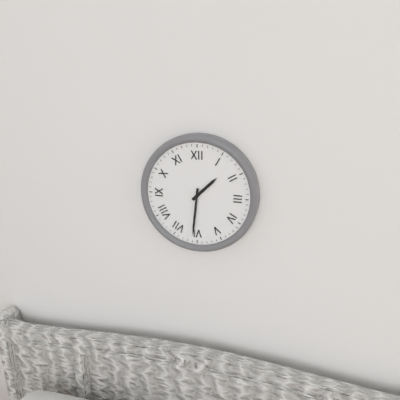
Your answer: **1:31**
